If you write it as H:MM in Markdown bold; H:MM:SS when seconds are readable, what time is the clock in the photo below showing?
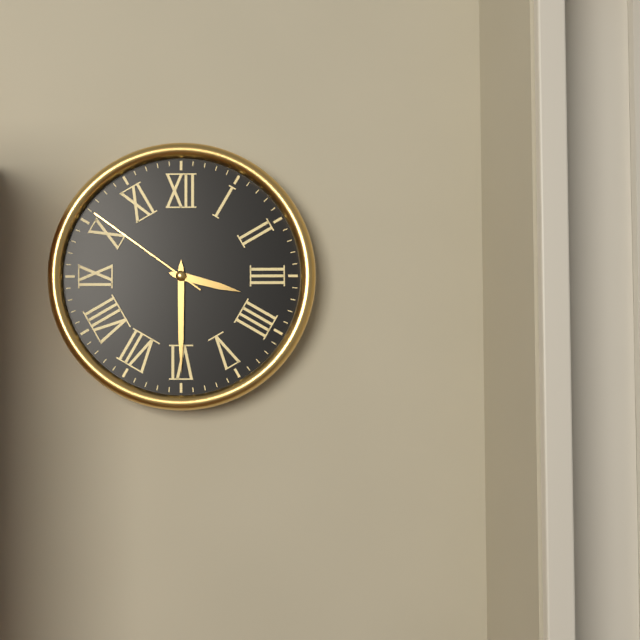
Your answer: **3:30:51**
